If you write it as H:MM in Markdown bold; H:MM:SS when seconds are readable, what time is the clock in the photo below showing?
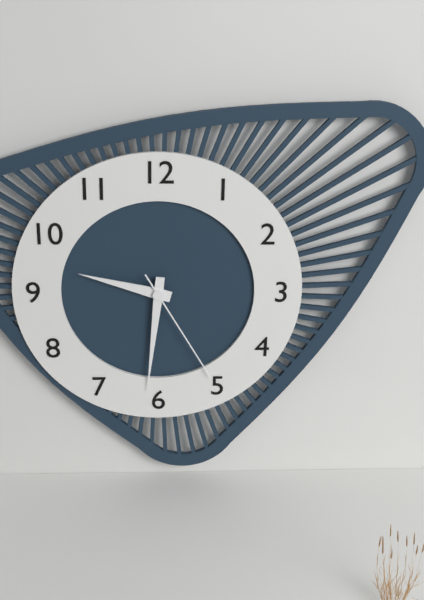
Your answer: **9:31:25**
